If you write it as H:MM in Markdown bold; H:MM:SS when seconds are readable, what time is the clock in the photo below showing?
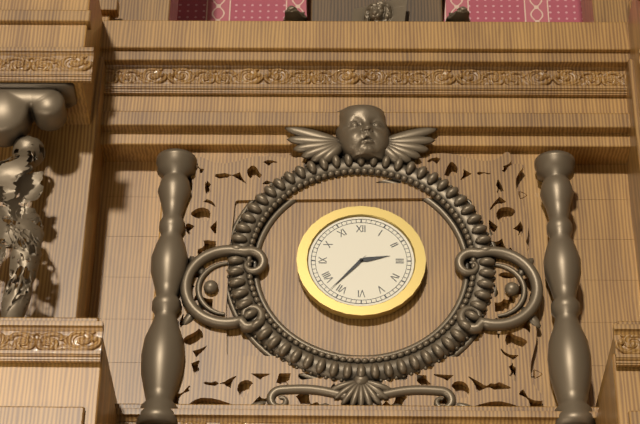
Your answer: **2:37**
